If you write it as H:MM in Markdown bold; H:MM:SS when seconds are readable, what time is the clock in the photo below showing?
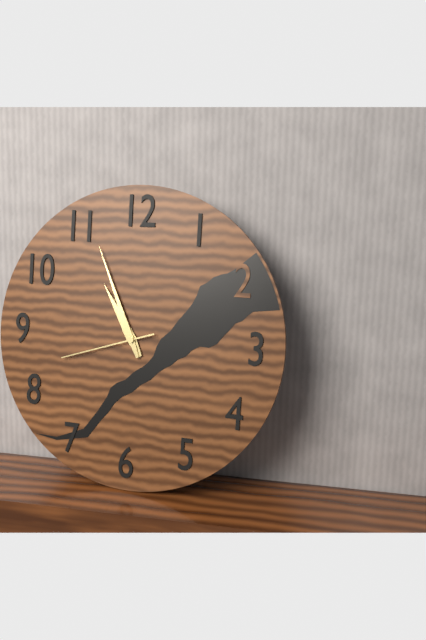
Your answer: **10:56:42**
